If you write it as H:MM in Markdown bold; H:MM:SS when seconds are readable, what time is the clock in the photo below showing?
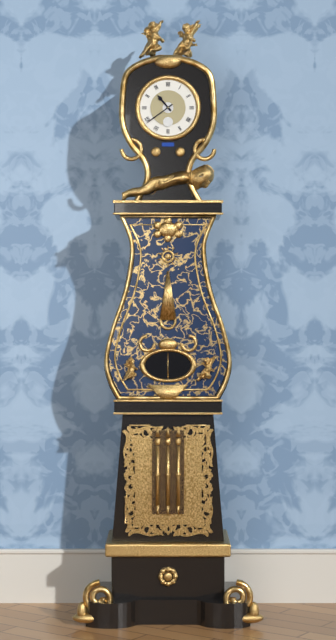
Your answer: **10:39**
